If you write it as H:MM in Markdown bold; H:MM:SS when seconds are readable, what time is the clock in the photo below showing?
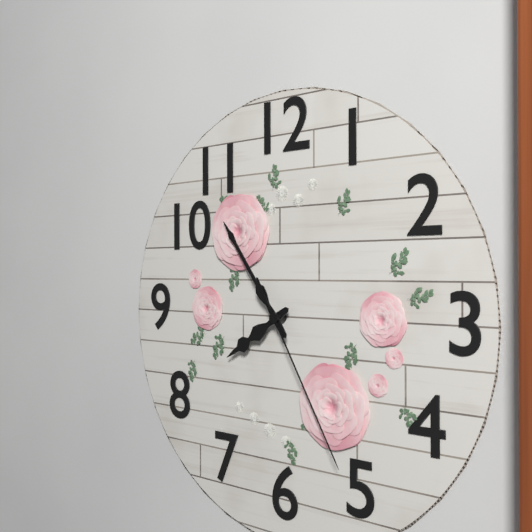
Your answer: **7:54:25**
